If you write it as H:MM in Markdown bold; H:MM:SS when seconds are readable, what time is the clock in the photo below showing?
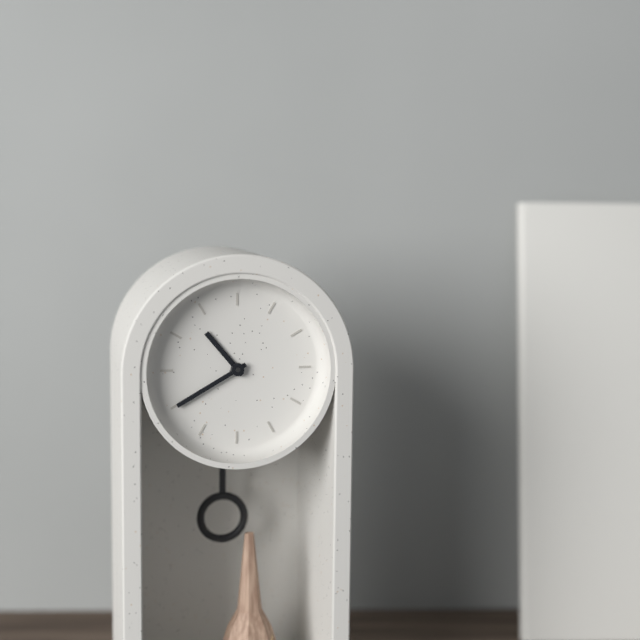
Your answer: **10:40**
